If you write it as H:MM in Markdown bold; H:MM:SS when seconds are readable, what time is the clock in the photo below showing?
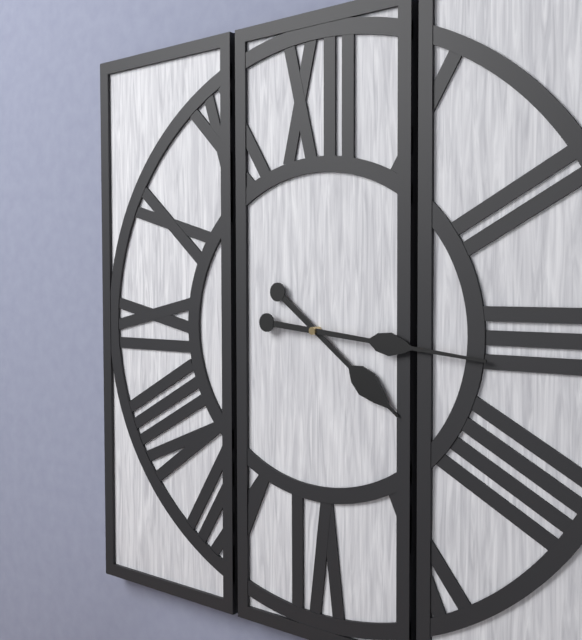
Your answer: **4:16**
